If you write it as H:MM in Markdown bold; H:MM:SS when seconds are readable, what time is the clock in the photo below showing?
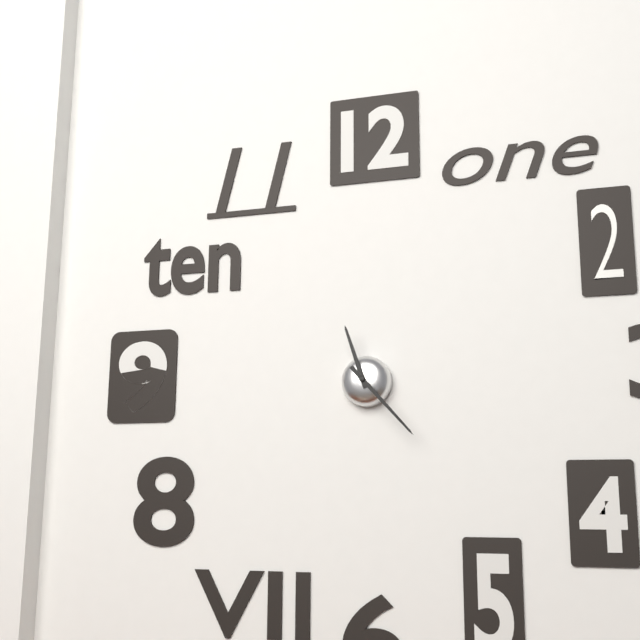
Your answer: **11:23**
